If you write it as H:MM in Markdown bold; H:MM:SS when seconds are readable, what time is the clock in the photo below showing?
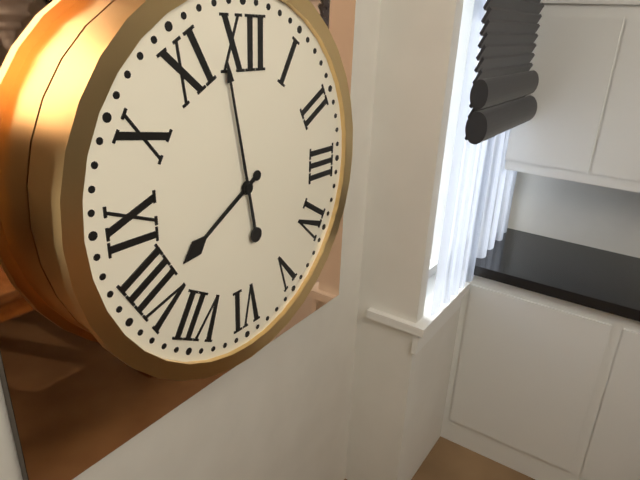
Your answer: **7:58**
